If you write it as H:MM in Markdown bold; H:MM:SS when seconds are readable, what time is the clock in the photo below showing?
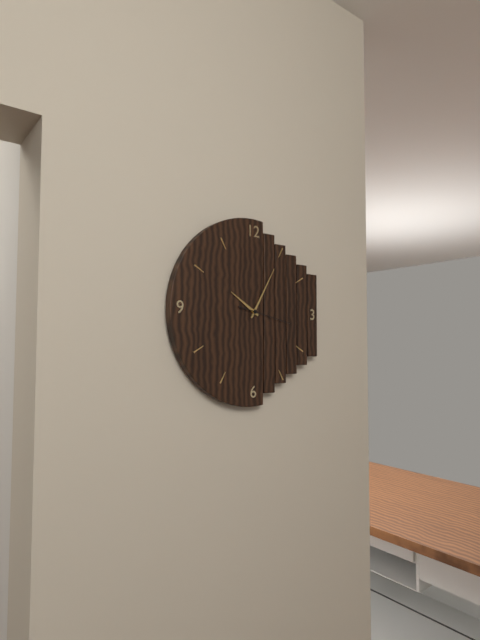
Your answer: **10:05**
